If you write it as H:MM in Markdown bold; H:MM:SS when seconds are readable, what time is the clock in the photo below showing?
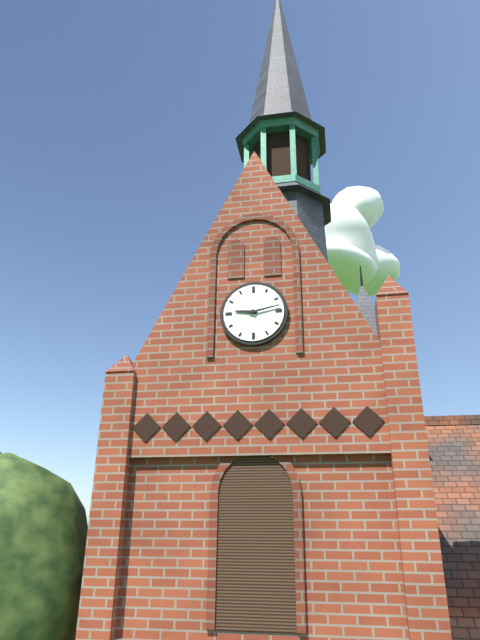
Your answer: **9:13**
